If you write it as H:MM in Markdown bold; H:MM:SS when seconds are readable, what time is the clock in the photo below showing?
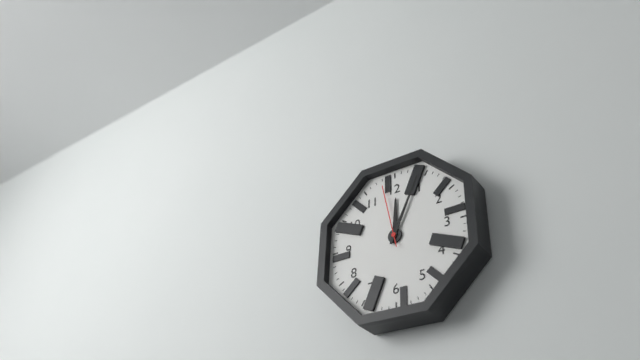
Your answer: **12:04:58**
